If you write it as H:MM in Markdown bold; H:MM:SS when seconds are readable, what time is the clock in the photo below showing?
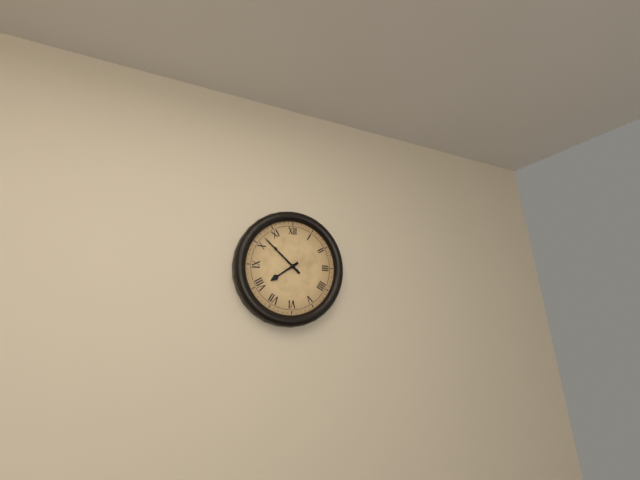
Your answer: **7:52**
